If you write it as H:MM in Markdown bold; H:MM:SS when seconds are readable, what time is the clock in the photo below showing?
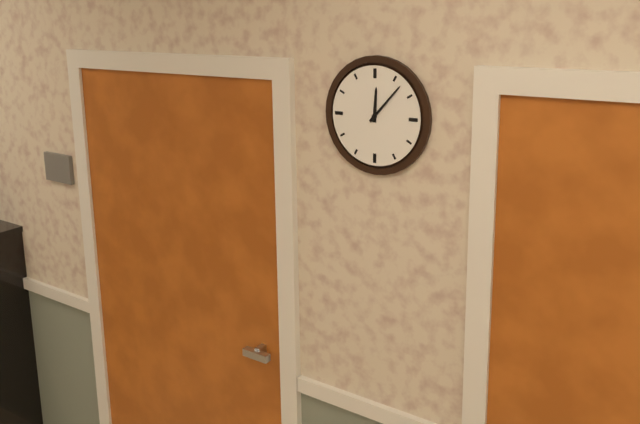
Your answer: **12:07**
